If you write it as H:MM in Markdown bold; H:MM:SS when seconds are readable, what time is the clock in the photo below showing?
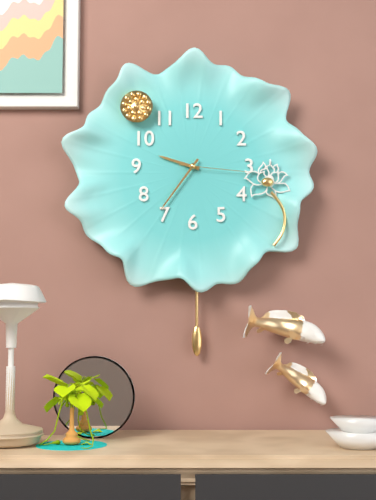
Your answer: **9:36:16**
